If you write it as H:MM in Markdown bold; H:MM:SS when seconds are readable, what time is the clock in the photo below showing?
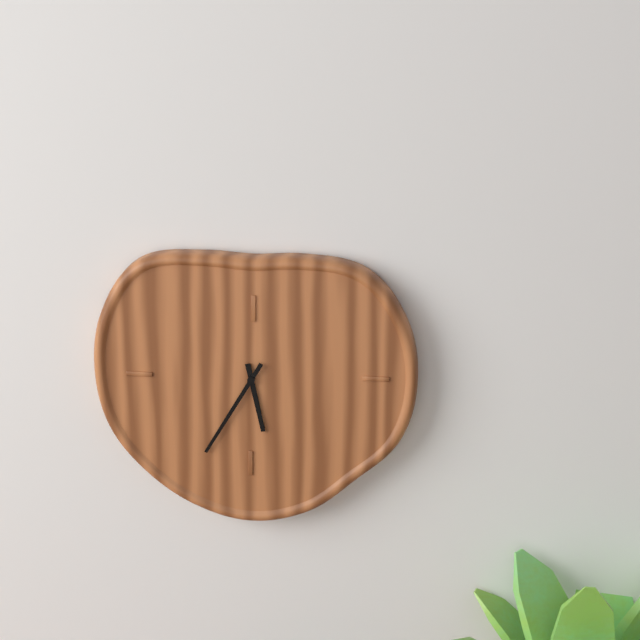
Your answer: **5:35**
